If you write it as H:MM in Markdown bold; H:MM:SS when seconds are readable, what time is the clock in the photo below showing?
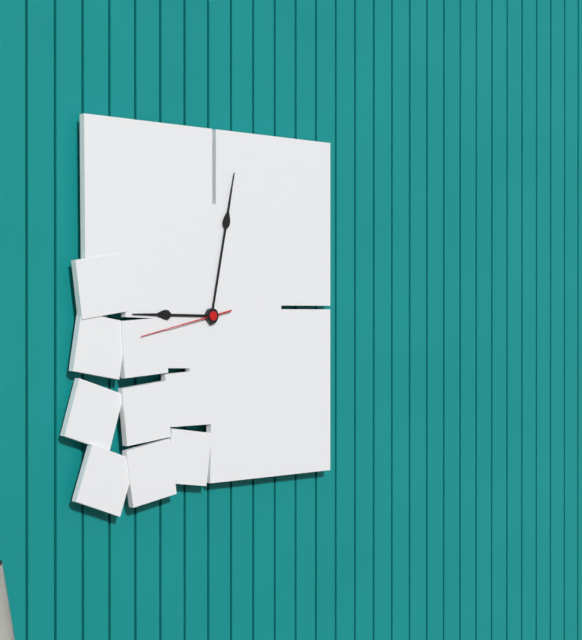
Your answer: **9:02:43**
